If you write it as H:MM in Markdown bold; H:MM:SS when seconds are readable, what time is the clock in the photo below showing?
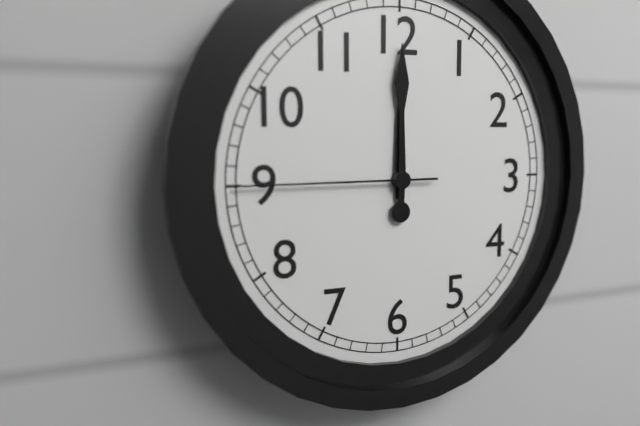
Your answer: **12:00:45**
